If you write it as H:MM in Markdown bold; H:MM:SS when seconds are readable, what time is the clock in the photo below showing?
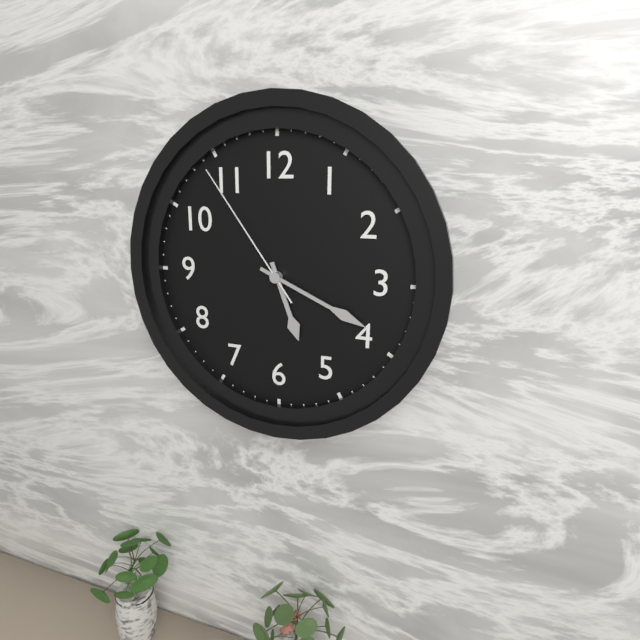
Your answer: **5:19:54**
